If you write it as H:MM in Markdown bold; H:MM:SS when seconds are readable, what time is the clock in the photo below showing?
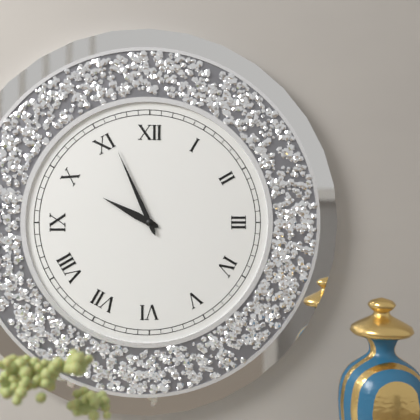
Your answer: **9:56**
